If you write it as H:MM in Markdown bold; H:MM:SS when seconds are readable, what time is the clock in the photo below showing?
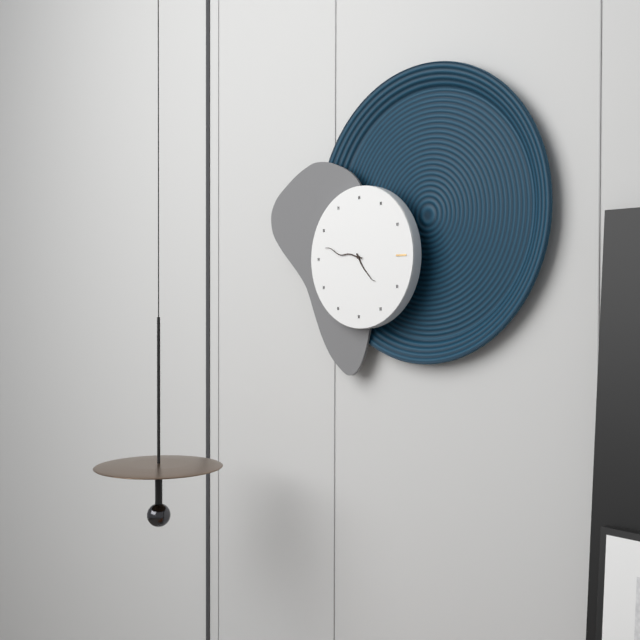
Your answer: **4:47**
